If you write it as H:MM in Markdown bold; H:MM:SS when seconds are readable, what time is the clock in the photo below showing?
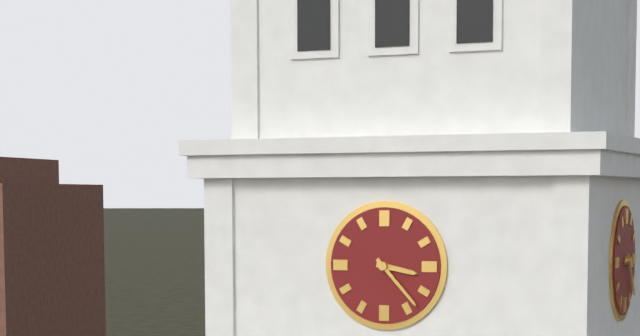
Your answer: **3:23**
